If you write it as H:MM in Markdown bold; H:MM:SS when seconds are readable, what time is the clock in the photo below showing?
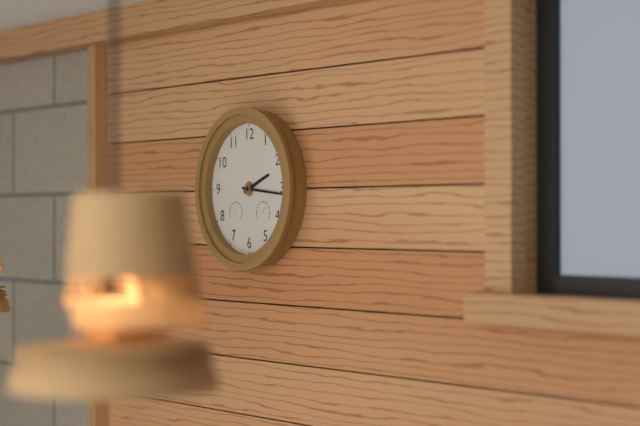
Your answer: **2:16**
